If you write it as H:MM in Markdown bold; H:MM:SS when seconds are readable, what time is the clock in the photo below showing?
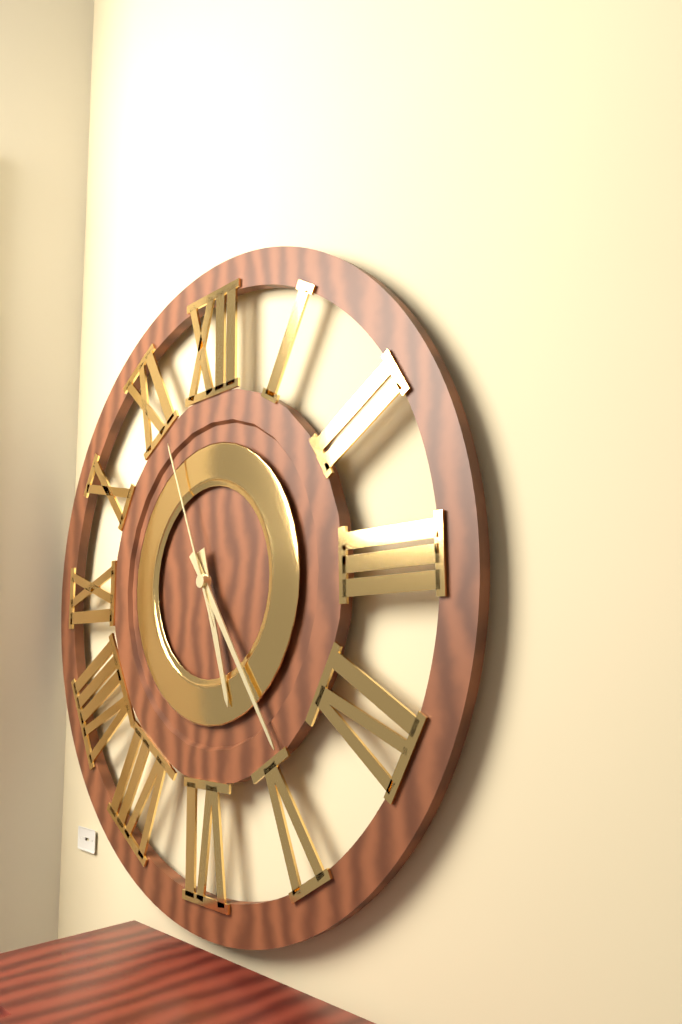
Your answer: **5:24:56**
